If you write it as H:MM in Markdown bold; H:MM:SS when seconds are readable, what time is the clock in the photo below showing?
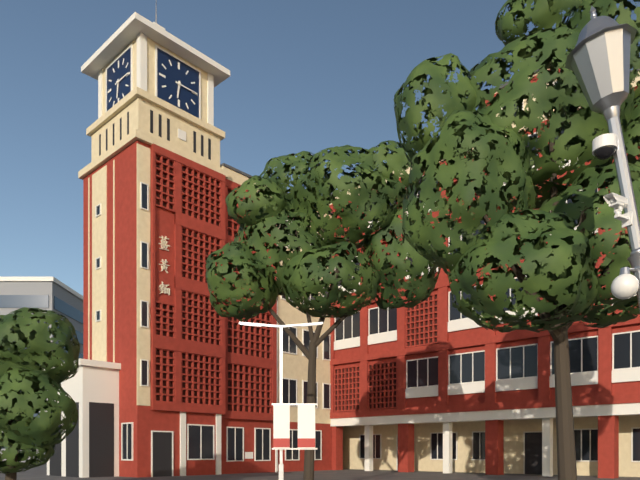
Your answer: **6:15**
